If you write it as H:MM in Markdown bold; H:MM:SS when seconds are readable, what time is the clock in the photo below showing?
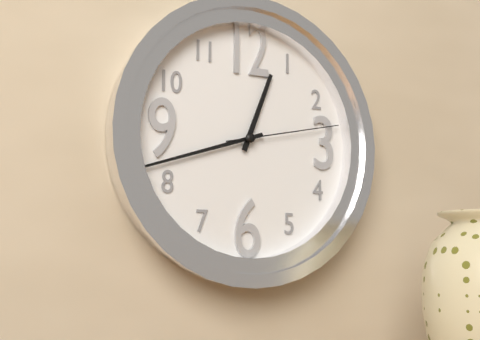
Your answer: **12:42:13**
